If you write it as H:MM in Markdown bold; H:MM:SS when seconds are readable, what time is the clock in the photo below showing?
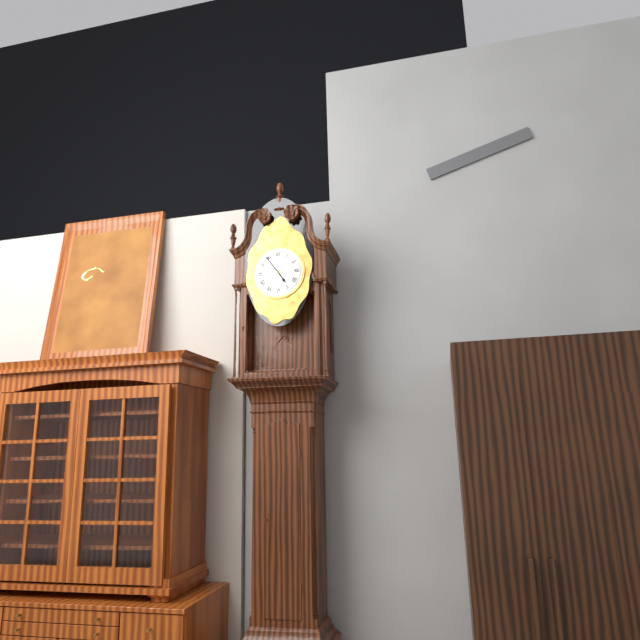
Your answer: **4:54**
